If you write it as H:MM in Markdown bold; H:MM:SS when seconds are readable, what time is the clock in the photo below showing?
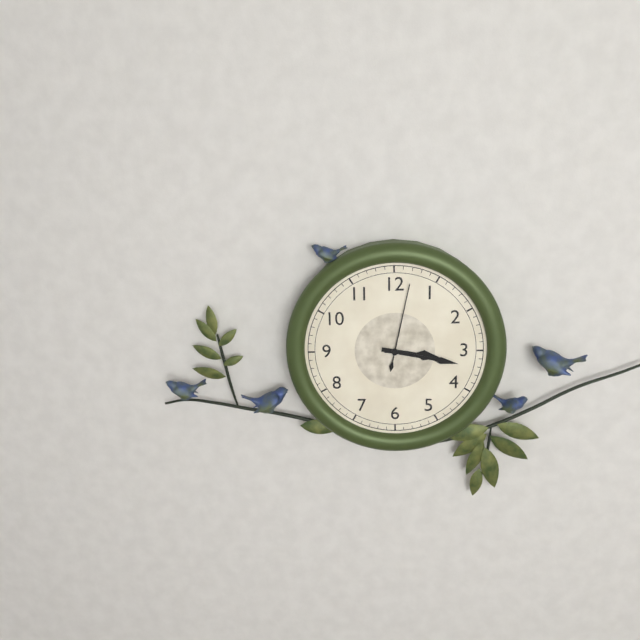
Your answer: **3:17:02**
